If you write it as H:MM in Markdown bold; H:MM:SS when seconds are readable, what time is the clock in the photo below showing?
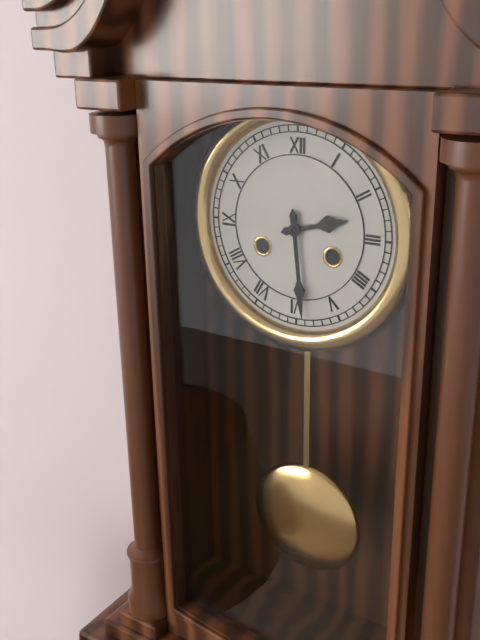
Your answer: **2:29**
